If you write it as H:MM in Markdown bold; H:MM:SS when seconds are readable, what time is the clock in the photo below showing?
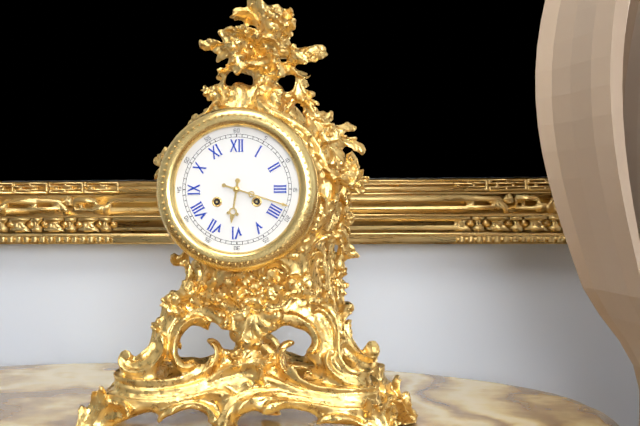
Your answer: **6:18**
